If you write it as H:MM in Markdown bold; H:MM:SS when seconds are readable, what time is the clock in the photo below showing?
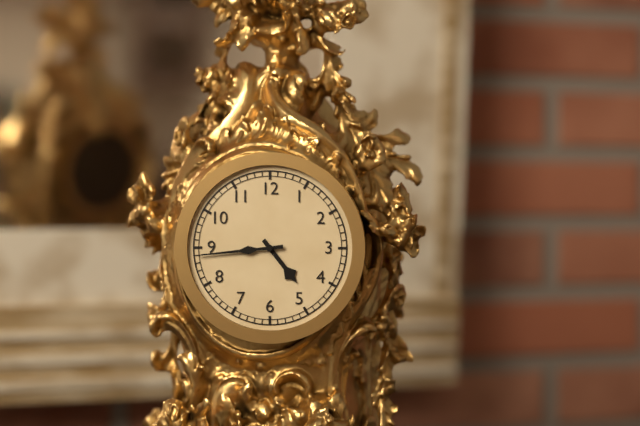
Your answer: **4:44**
